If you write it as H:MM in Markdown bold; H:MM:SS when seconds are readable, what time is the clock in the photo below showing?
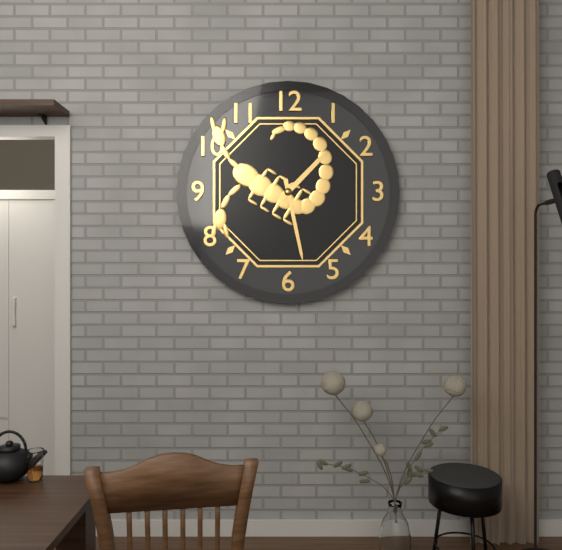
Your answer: **1:28**
